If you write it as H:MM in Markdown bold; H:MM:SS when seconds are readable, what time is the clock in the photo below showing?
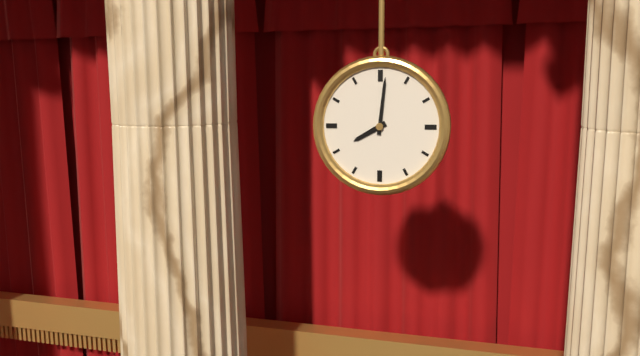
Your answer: **8:01**
